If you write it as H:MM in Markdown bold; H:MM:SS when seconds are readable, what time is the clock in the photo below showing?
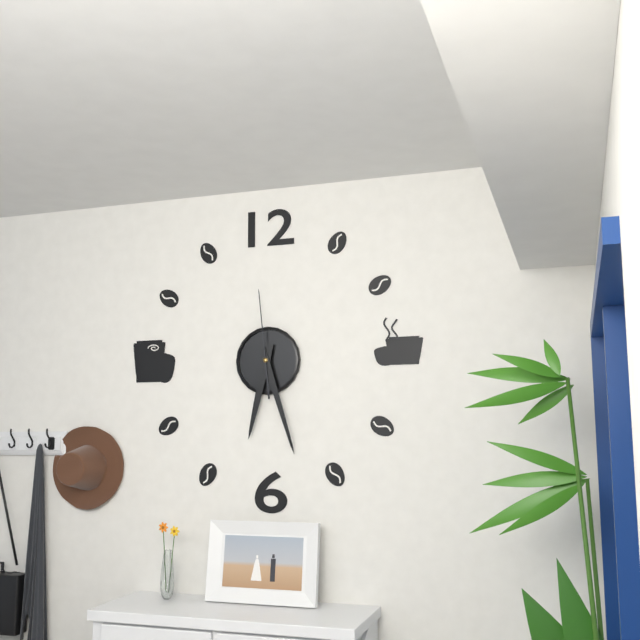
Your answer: **6:27:59**
